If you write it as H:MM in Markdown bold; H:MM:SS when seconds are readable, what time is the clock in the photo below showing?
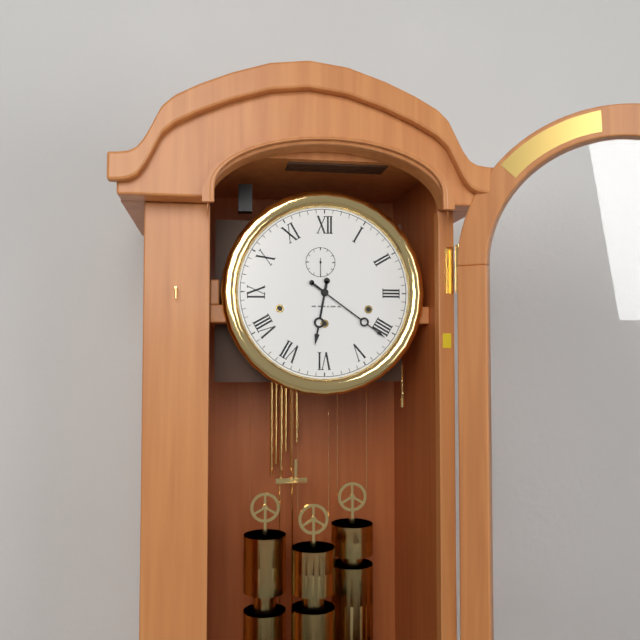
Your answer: **6:21**
